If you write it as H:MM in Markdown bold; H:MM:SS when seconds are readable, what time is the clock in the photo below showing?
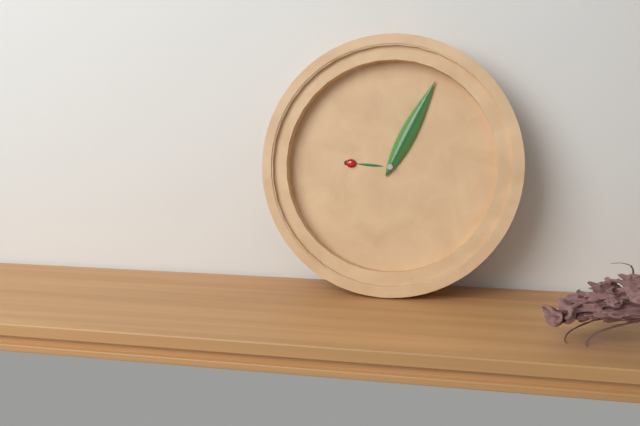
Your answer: **9:04**
